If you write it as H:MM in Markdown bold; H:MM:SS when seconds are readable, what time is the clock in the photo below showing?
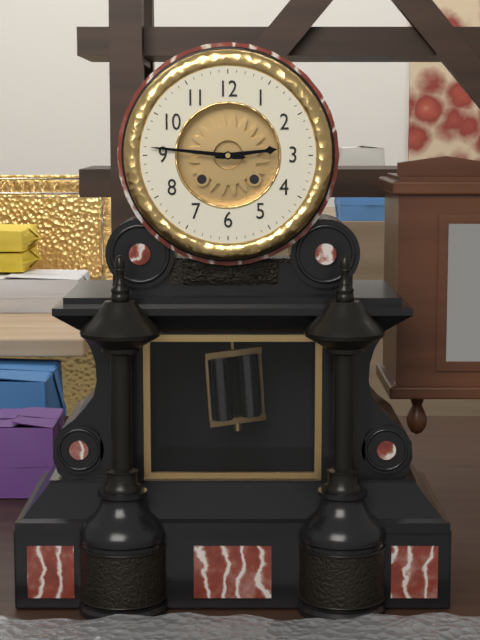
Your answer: **2:46**
